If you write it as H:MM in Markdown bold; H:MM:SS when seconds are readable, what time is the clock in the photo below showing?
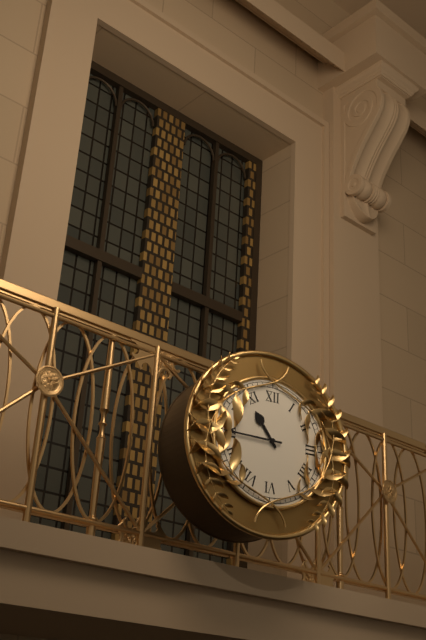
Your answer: **10:45**
